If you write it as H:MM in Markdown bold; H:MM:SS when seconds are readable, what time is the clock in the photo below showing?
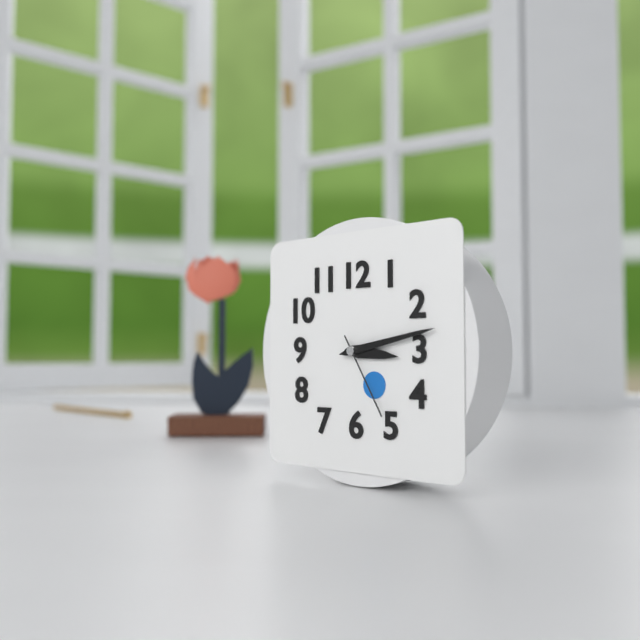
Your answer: **3:13:25**
